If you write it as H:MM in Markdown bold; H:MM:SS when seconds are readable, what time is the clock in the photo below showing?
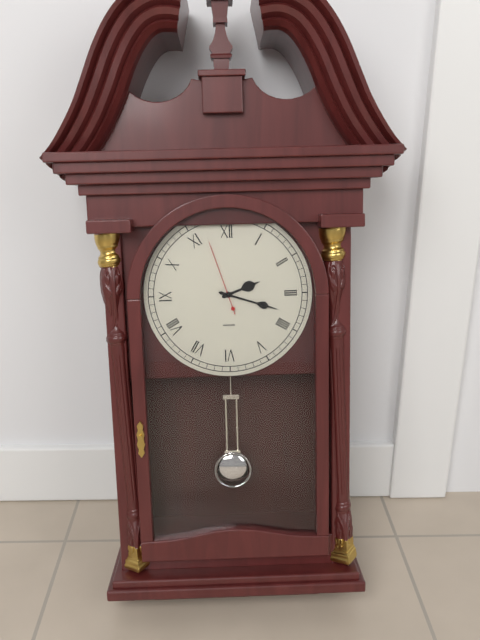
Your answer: **2:18:57**
